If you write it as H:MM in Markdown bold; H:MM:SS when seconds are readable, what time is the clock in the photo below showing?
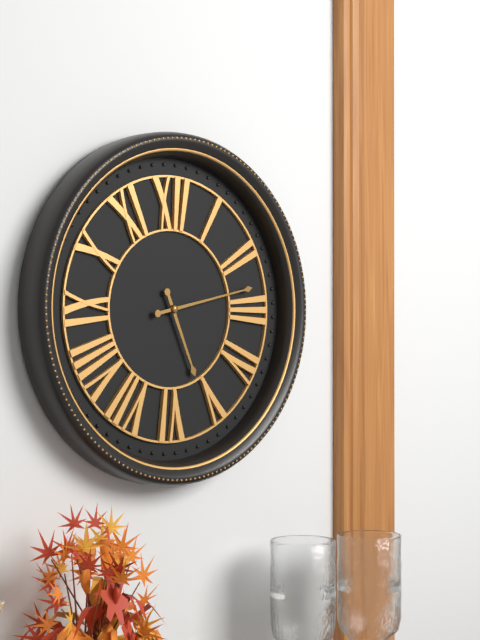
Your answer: **5:13**
